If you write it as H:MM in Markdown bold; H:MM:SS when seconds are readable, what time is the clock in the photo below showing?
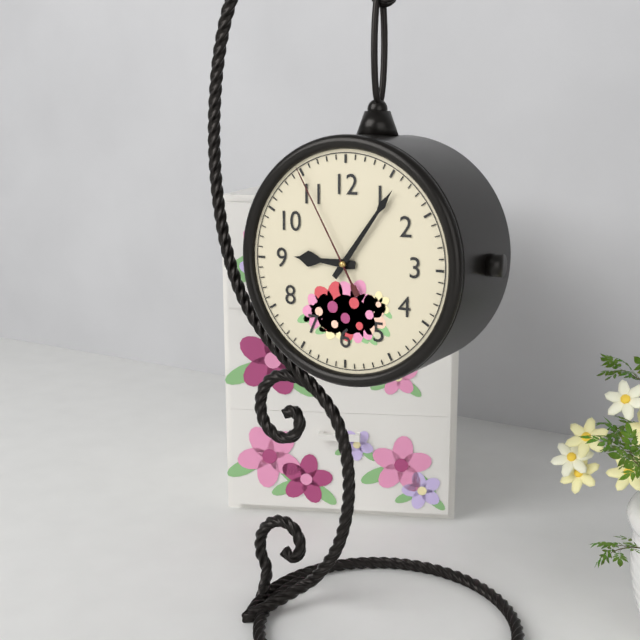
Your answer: **9:06:55**
